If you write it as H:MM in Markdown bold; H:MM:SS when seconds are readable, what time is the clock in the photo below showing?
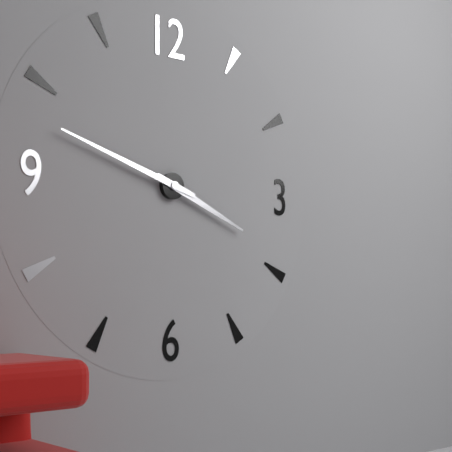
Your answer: **3:48**
